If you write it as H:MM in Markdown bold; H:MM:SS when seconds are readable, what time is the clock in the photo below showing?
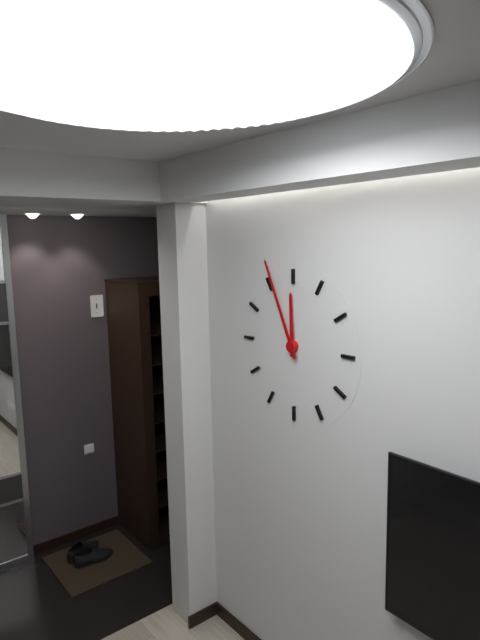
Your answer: **11:56**
